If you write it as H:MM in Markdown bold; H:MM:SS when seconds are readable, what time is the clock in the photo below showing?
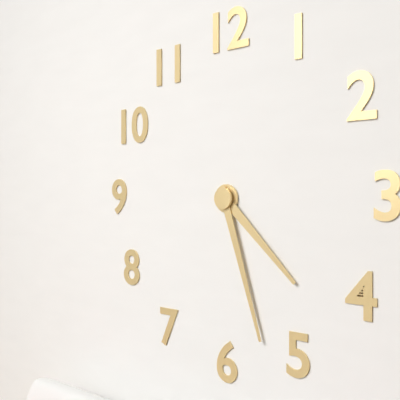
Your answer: **4:27**
